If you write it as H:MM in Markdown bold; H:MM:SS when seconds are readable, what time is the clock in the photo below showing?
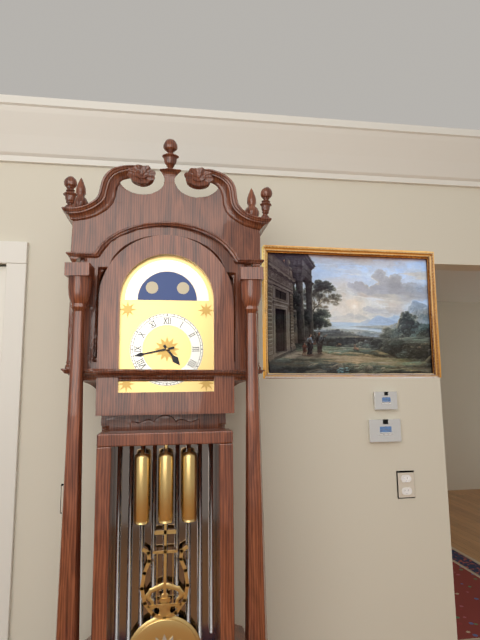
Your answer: **4:43**
